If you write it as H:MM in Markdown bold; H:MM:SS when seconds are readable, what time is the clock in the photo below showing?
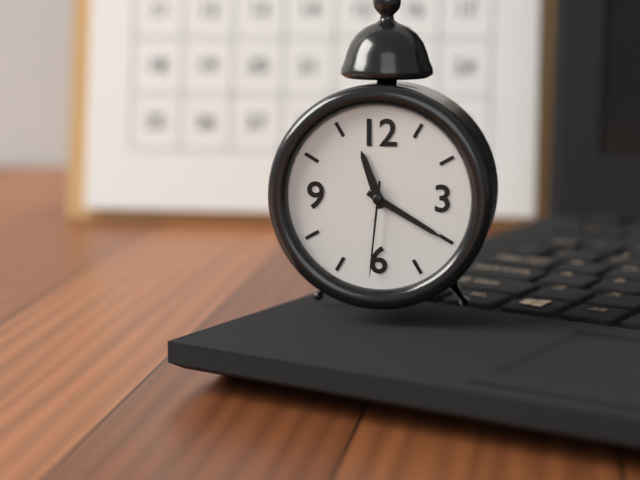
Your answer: **11:20:31**
